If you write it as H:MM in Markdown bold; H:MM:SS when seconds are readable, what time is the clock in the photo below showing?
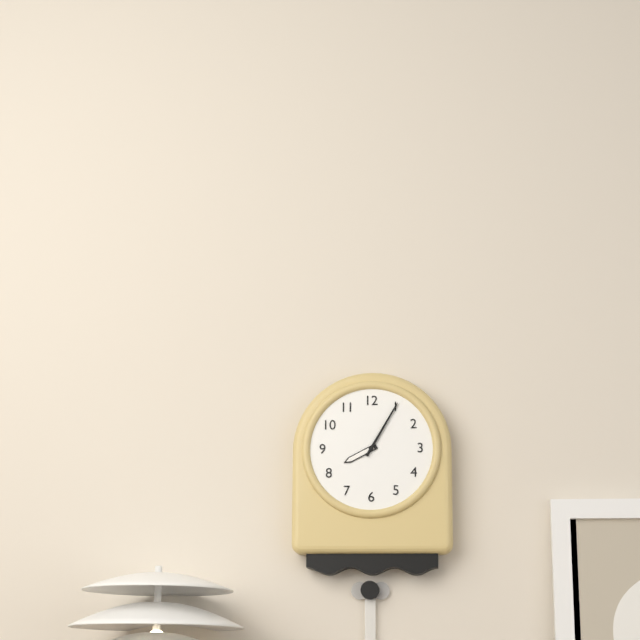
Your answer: **8:05**
